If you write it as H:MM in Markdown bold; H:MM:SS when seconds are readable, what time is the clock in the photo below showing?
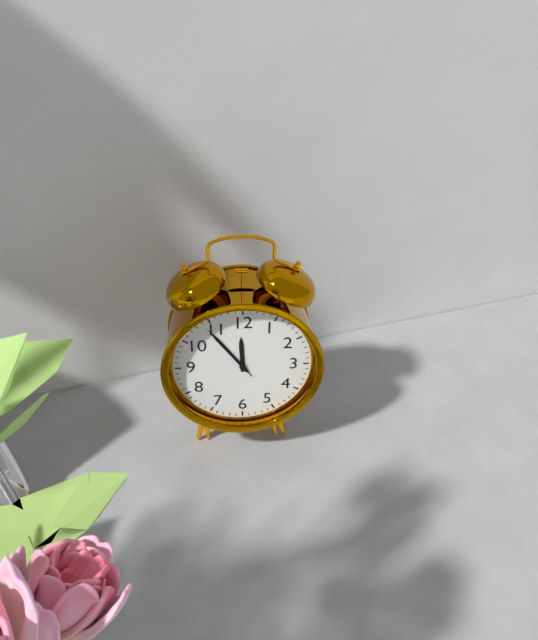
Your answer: **11:54:54**
